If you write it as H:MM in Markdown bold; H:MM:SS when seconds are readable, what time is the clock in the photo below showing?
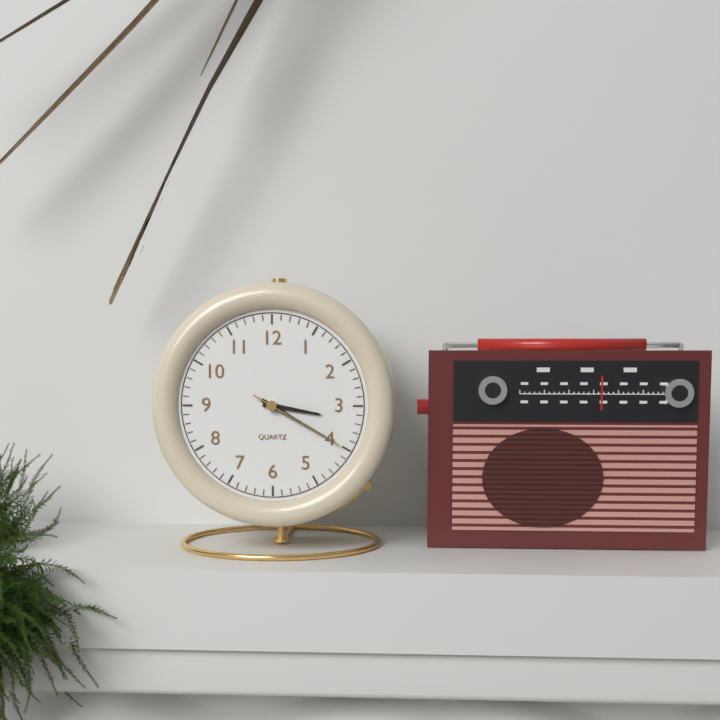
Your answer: **3:20:20**
